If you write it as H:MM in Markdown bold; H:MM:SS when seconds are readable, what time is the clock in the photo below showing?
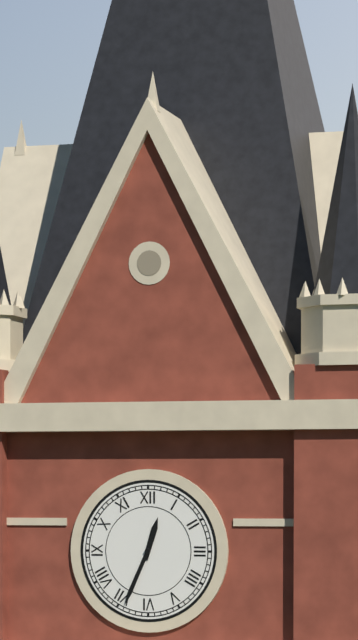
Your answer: **12:34**
